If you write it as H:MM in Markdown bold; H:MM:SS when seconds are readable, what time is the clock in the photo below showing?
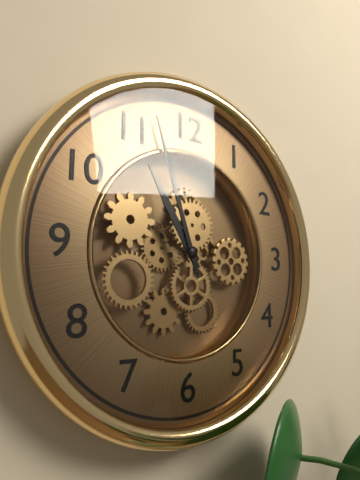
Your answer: **10:57**
